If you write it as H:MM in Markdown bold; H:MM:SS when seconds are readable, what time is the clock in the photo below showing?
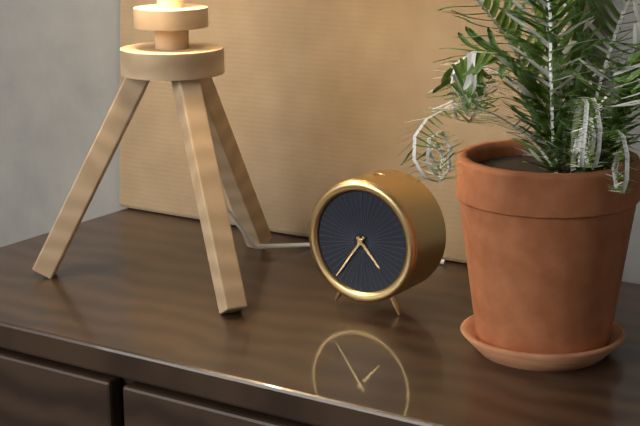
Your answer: **4:36**
